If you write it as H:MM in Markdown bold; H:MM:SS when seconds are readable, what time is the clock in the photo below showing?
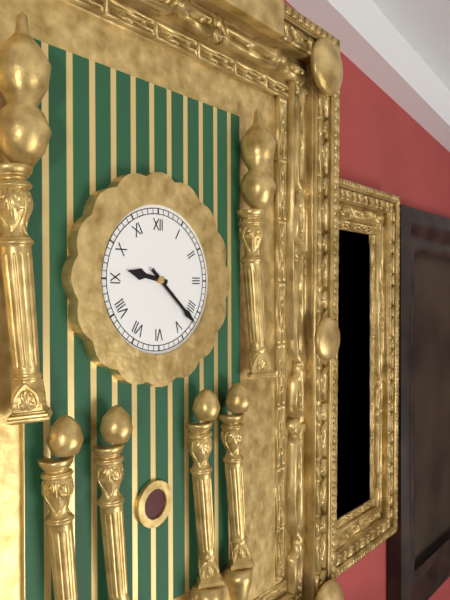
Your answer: **9:22**
